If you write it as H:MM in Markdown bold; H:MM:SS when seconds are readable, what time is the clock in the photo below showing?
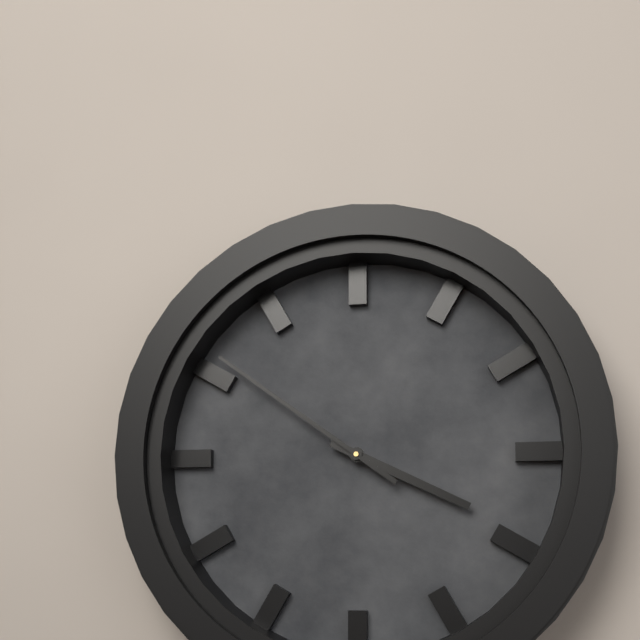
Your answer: **3:51**
